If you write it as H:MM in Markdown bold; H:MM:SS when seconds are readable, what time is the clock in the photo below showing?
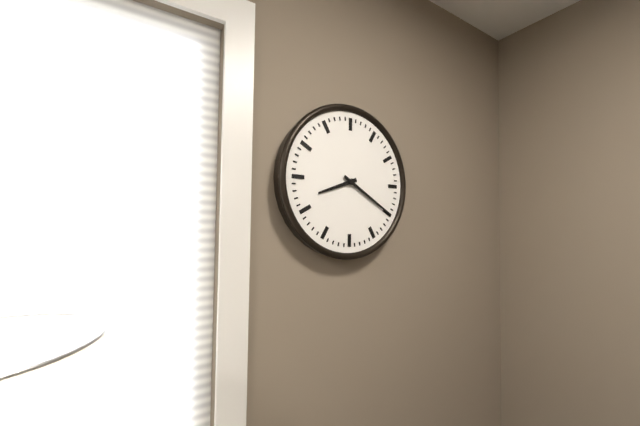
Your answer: **8:20**
